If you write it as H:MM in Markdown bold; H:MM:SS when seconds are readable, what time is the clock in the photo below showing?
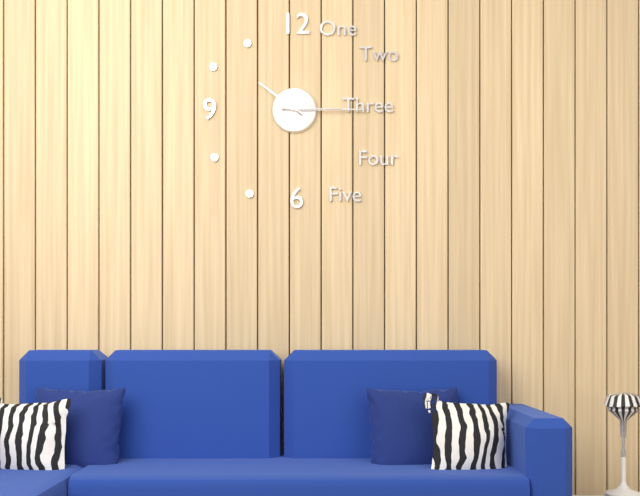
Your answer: **10:15**
